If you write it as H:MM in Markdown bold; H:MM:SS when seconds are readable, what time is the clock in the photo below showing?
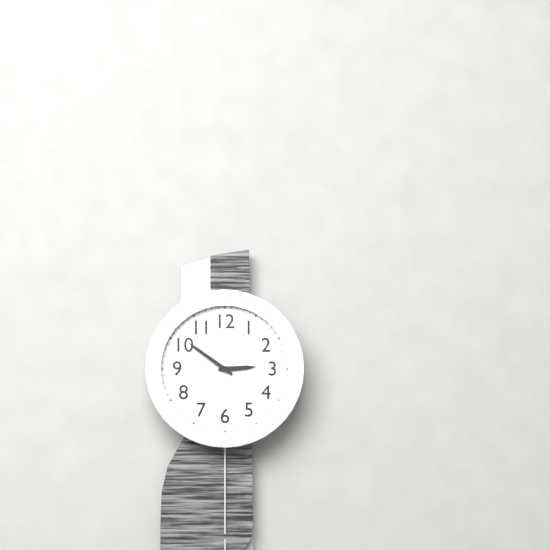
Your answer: **2:51**
